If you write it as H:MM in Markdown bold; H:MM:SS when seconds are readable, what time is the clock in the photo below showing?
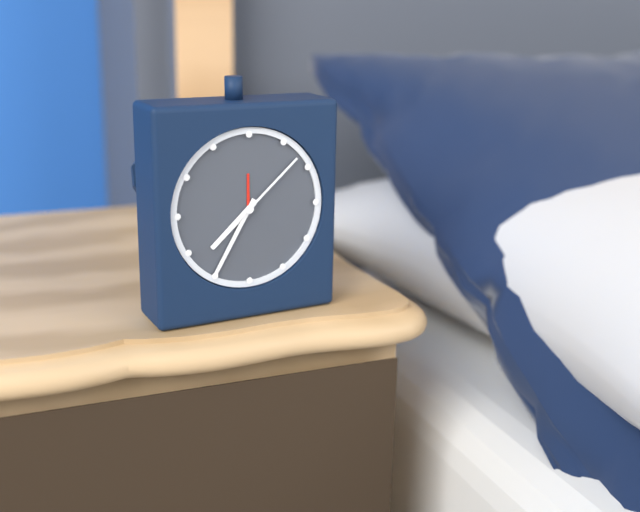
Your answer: **7:35:08**
